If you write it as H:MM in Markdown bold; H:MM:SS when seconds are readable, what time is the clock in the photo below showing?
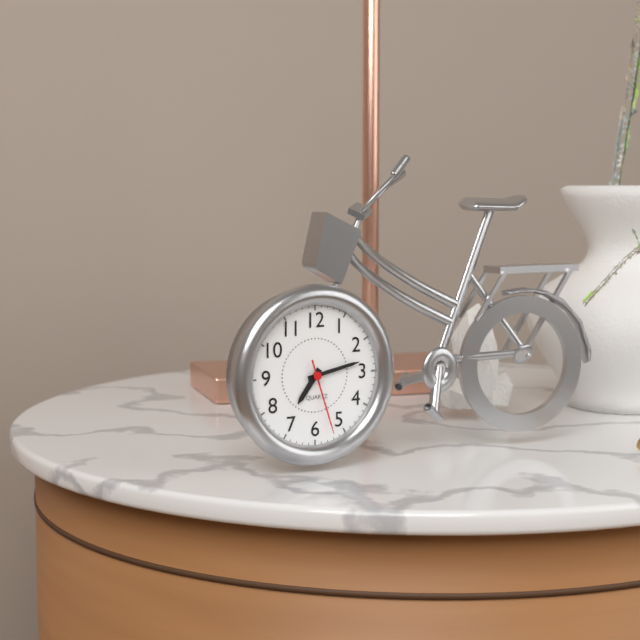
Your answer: **7:13:27**
